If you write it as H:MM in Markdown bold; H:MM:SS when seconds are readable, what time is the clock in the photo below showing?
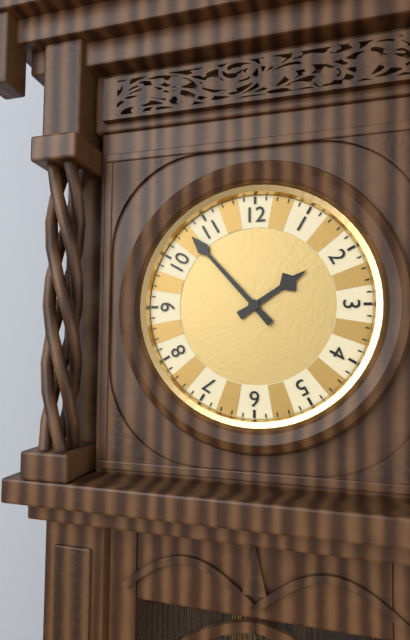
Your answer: **1:53**
